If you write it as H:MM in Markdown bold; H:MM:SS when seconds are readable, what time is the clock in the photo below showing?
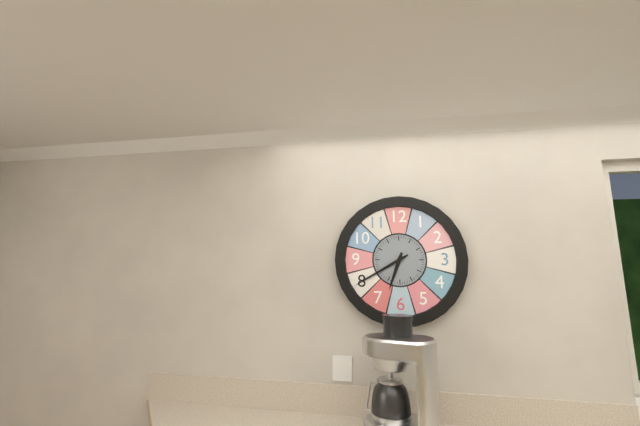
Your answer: **6:40**
